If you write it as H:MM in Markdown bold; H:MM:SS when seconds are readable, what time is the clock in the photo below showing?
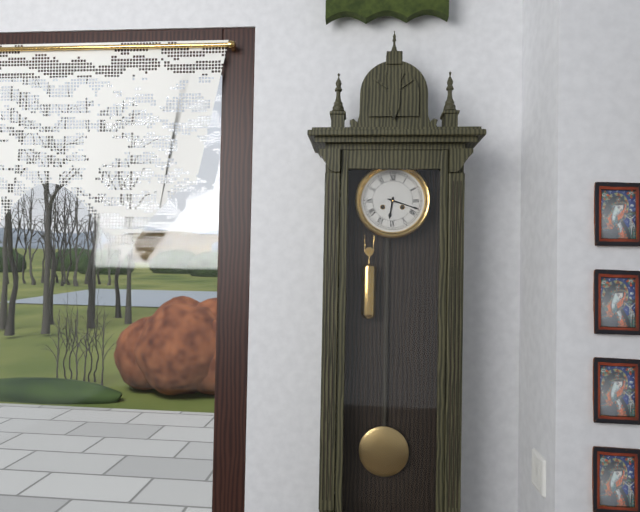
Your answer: **6:18**
